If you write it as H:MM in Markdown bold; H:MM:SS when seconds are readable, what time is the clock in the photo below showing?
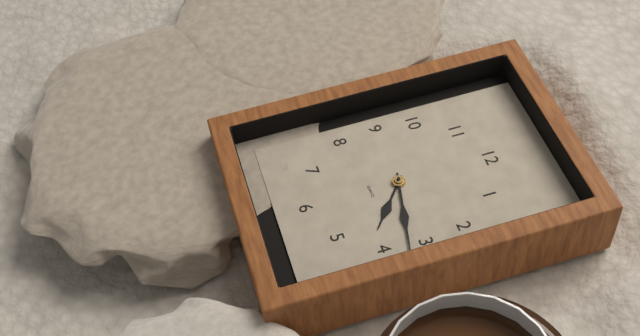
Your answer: **4:17**
